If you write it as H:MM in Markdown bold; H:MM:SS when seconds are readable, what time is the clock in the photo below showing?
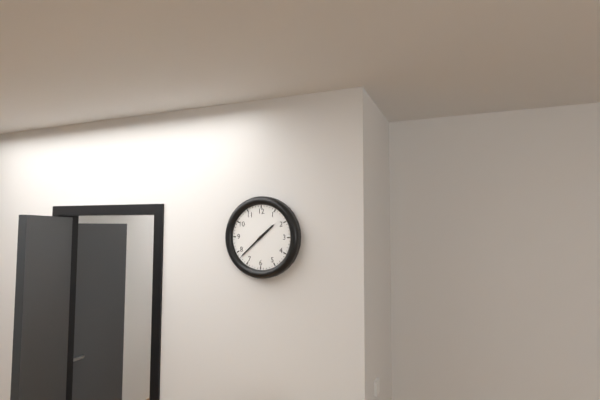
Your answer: **1:38**
